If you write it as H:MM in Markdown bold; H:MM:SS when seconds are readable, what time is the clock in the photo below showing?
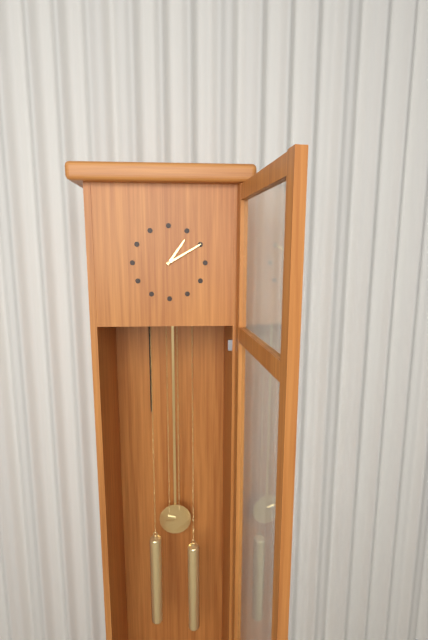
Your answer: **1:10**
